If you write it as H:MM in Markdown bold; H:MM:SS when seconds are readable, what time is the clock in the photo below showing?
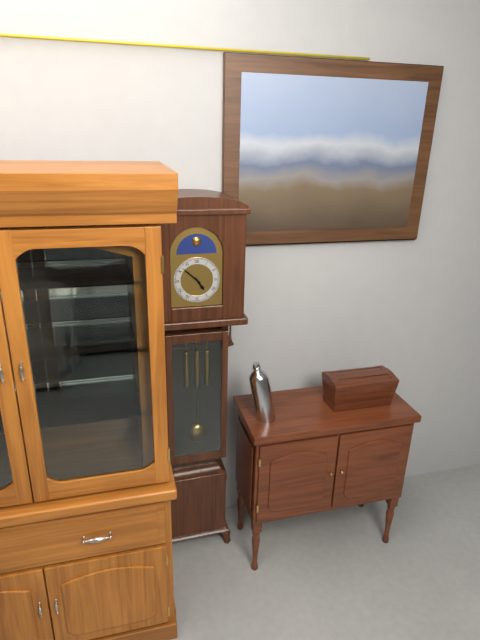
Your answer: **4:52**
